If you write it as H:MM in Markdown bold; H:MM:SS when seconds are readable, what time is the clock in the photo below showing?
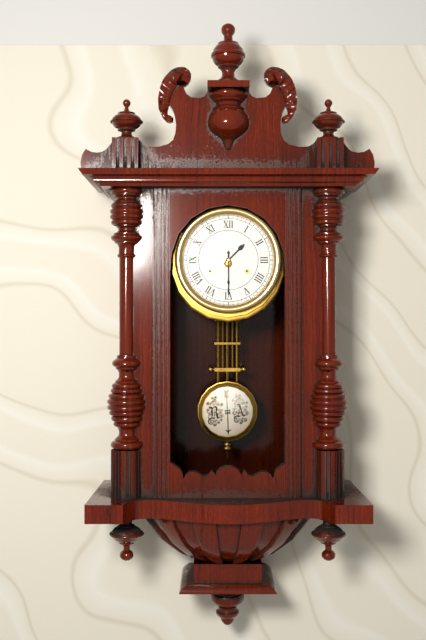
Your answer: **1:30**
